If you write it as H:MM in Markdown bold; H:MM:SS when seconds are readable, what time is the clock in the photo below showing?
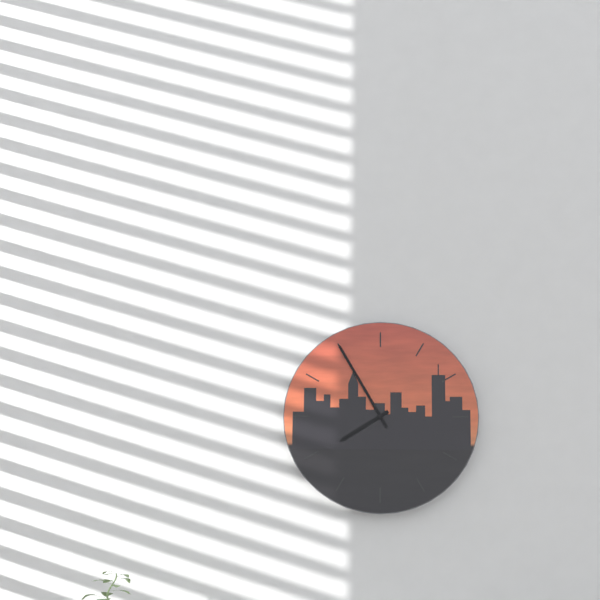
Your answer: **7:55**
